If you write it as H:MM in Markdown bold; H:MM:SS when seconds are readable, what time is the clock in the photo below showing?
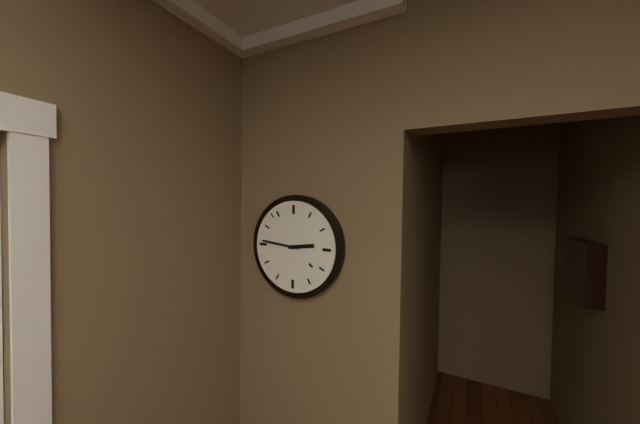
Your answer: **2:46**
